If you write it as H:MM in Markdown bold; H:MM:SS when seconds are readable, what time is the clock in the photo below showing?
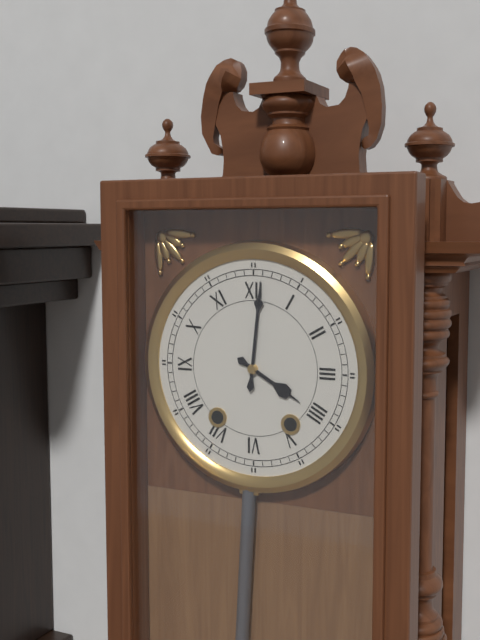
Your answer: **4:01**
